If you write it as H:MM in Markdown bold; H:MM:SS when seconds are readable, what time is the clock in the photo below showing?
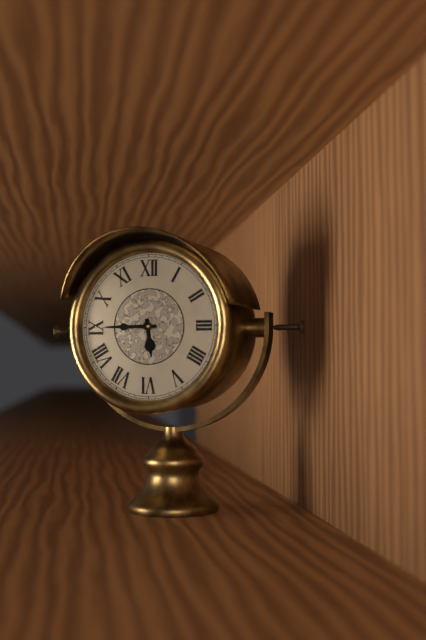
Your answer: **5:45**
